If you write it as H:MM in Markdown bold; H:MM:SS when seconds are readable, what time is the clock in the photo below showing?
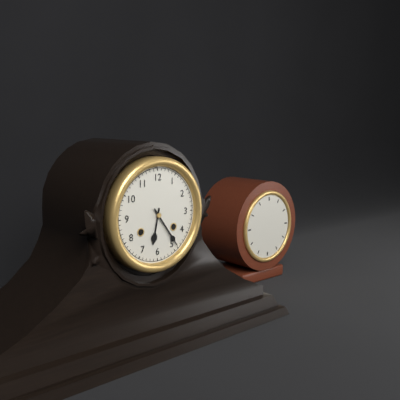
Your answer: **6:24**
